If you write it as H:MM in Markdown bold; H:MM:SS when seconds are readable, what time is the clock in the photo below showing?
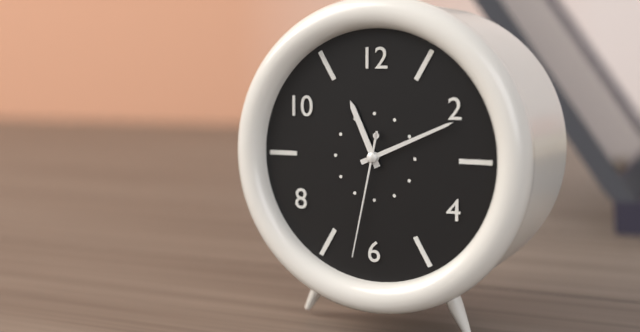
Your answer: **11:11:32**
